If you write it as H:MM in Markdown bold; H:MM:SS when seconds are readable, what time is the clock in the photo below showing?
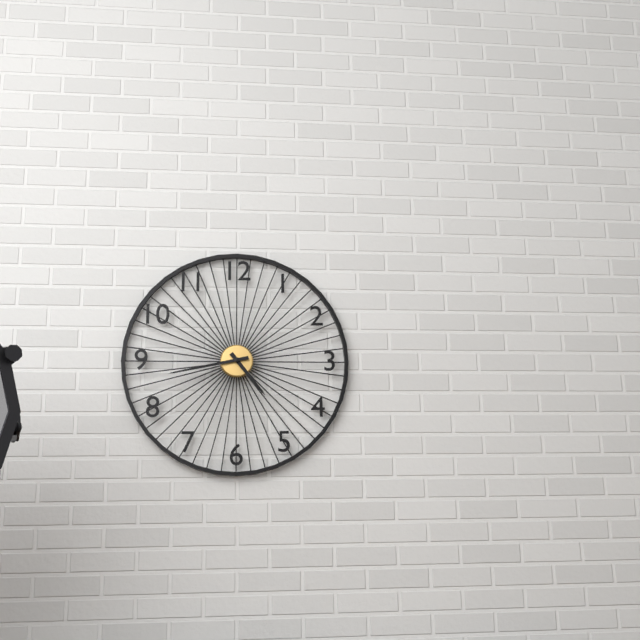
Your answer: **4:43**
